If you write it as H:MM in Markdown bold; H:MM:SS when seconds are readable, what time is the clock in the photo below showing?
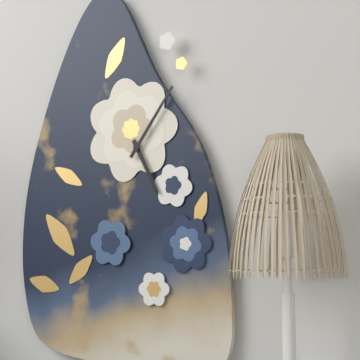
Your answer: **5:06**
